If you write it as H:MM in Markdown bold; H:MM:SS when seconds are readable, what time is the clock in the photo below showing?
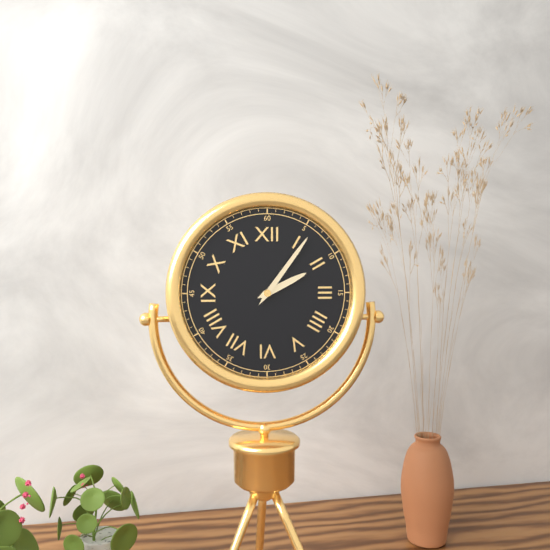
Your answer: **2:06**
